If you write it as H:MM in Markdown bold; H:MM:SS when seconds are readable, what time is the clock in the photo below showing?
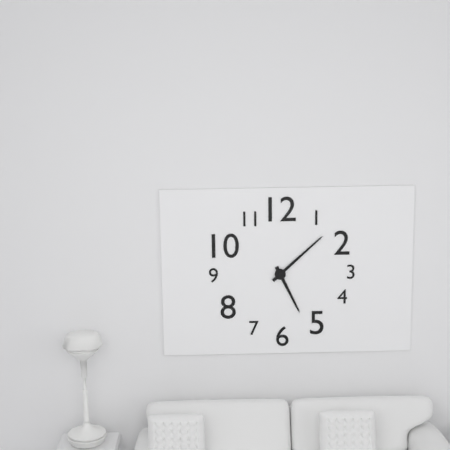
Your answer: **5:08**
